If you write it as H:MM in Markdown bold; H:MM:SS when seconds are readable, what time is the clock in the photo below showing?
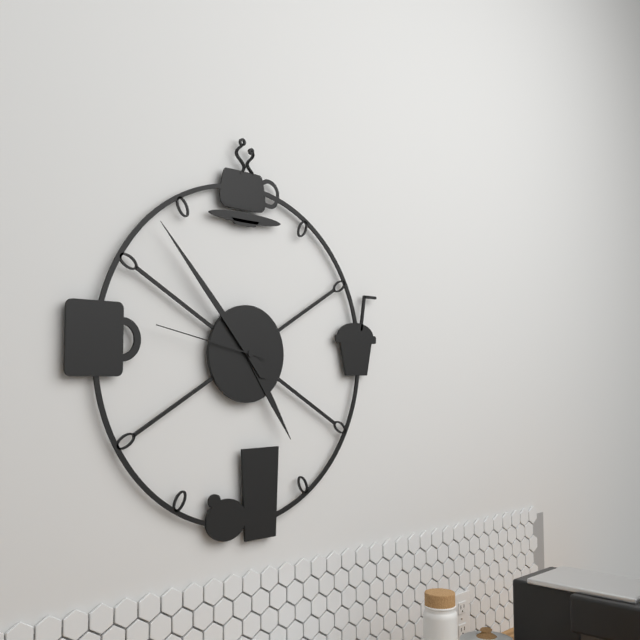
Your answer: **4:53:47**
